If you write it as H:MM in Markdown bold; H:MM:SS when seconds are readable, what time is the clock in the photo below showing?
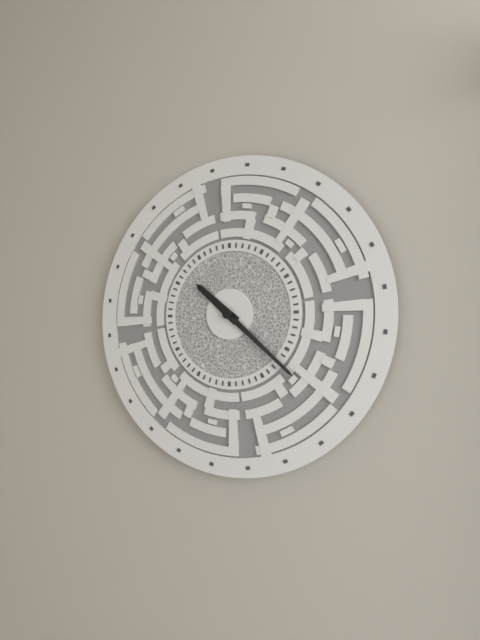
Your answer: **10:22**
